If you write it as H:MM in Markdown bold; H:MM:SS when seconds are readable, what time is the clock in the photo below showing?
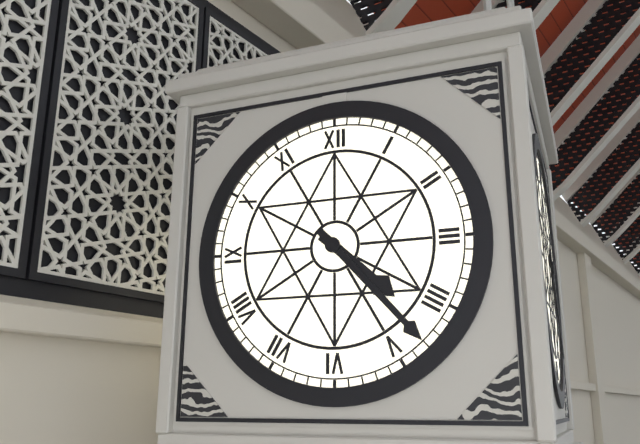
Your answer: **4:23**
